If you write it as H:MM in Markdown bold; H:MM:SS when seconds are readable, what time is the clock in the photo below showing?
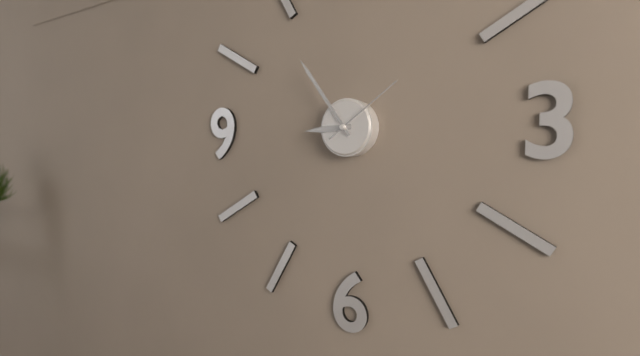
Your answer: **8:54:09**
